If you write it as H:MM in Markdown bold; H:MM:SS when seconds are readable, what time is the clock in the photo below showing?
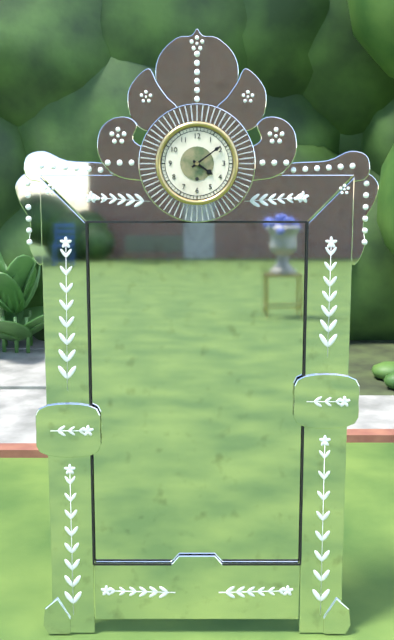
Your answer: **4:09**
